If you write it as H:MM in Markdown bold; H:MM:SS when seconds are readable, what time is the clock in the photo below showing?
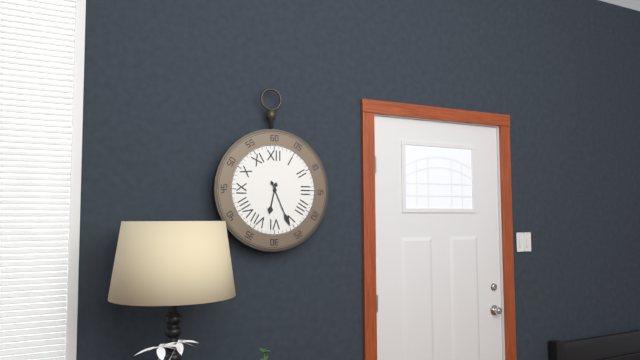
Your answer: **6:26**
